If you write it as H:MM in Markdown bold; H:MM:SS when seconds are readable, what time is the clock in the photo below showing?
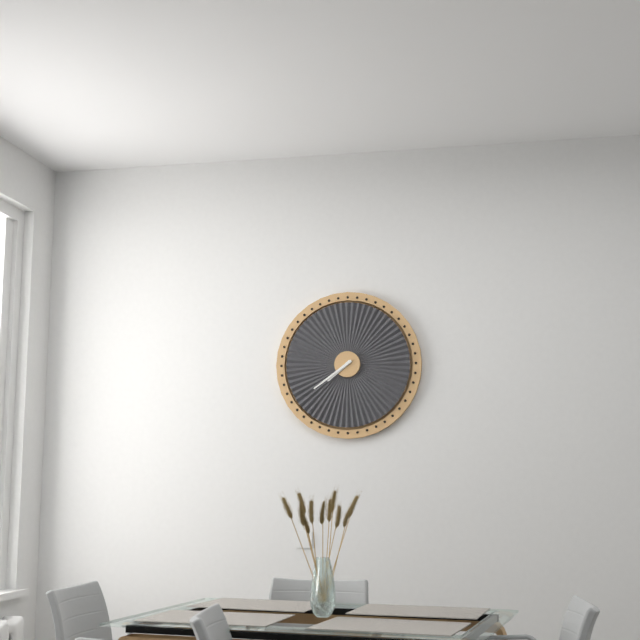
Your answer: **7:39**
